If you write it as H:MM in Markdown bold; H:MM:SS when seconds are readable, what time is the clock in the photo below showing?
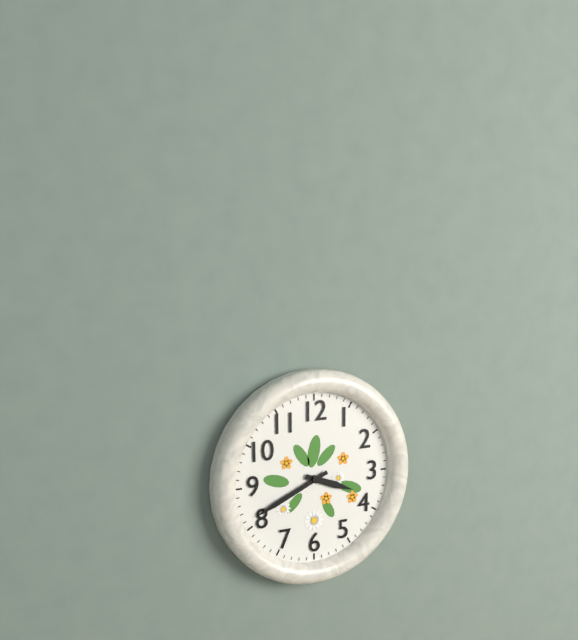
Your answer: **3:41**
